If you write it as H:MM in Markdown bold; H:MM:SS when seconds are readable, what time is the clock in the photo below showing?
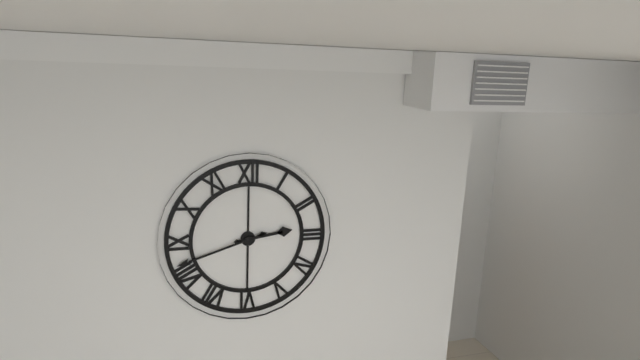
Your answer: **2:42**
